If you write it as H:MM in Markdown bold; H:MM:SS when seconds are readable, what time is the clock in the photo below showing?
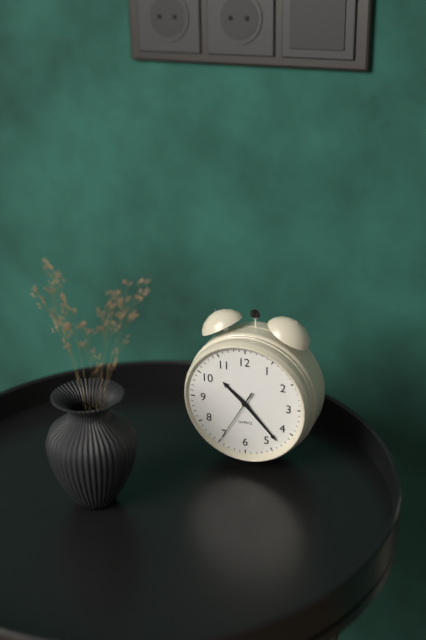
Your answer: **10:23:35**
